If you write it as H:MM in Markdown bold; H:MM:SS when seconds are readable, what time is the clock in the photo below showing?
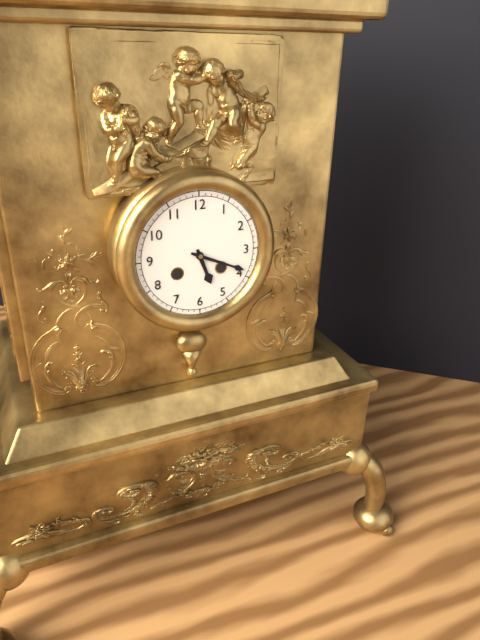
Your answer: **5:19**
